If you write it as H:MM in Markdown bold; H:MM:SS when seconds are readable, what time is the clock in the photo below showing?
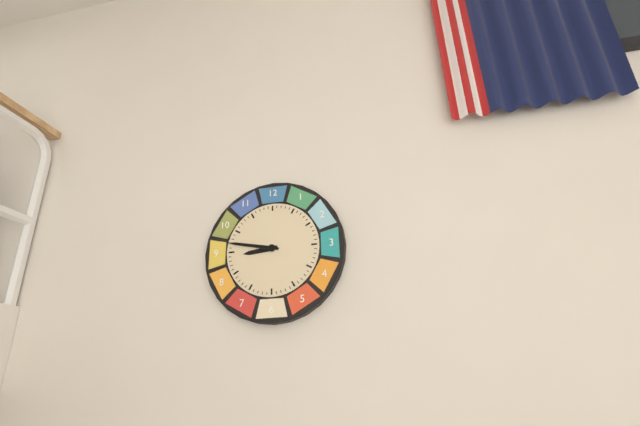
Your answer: **8:47**
